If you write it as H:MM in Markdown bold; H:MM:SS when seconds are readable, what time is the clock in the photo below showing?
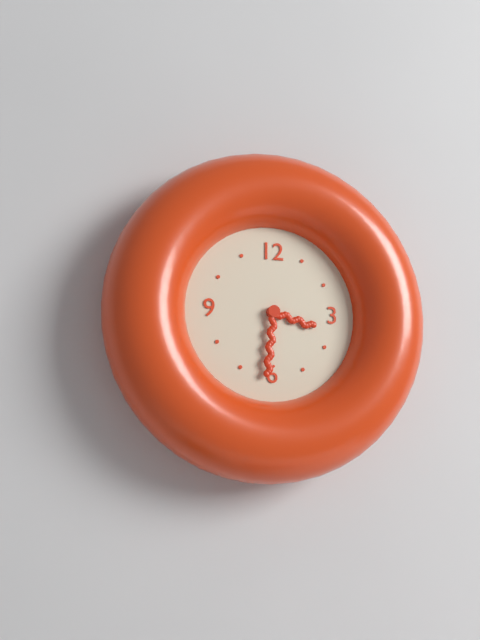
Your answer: **3:31**
